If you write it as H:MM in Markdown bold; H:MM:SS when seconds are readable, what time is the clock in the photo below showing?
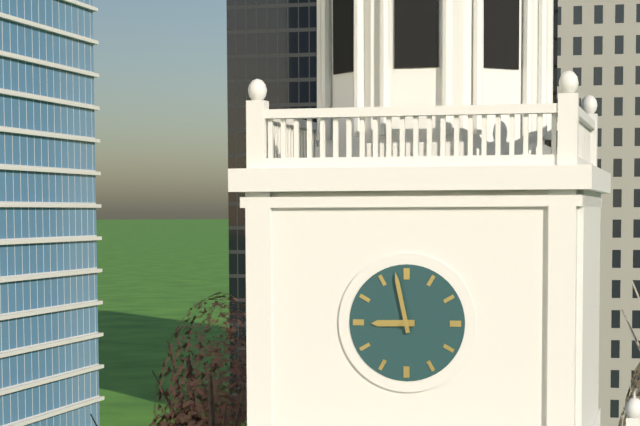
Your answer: **8:58**
